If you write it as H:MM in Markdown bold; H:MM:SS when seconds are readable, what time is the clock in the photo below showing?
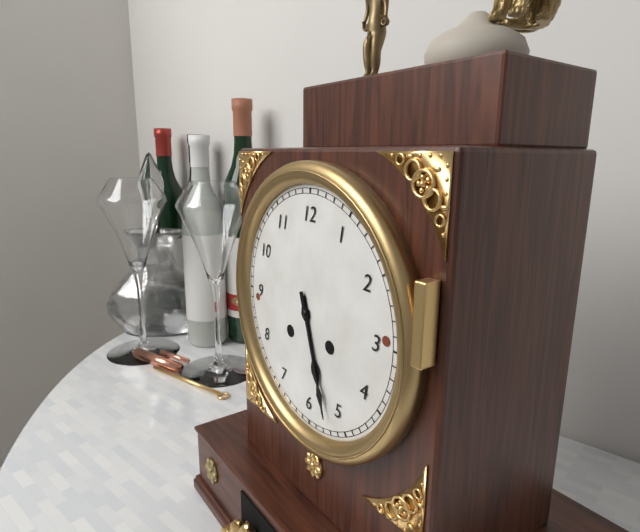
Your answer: **5:27**
